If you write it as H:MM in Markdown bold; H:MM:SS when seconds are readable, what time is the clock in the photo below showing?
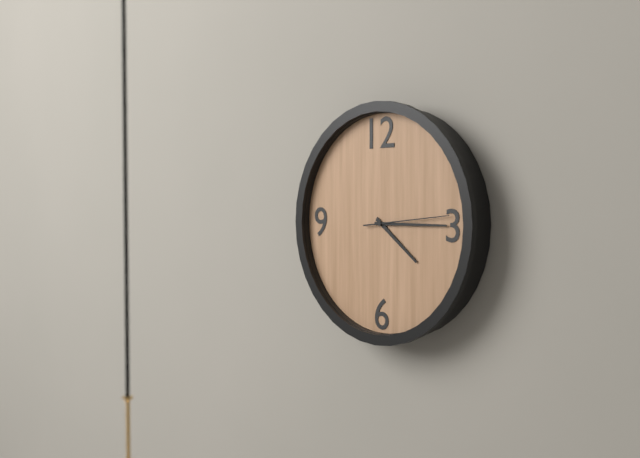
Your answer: **4:15:14**
